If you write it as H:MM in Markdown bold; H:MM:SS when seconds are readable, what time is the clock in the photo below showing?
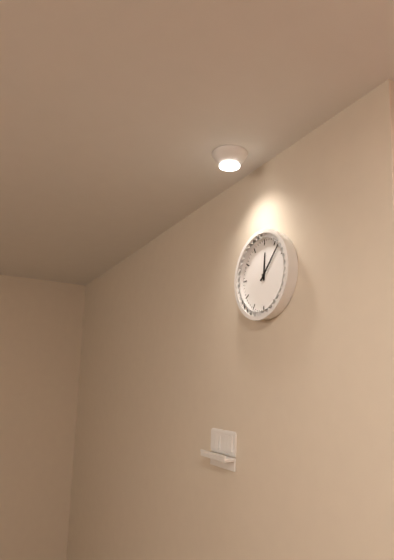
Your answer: **12:07**
